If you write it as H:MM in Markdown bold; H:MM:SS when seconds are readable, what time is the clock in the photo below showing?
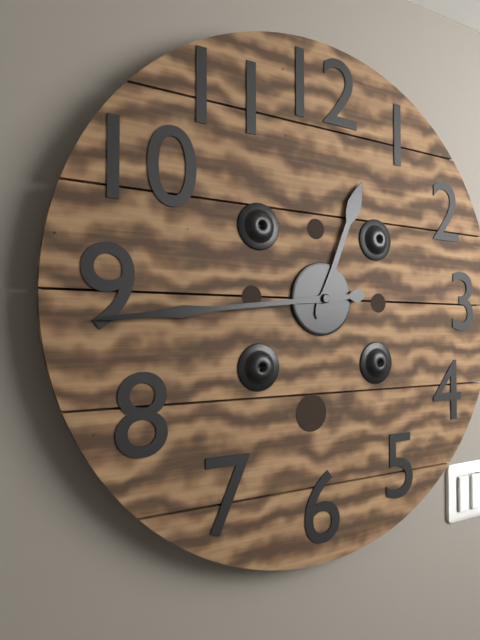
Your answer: **12:44**
